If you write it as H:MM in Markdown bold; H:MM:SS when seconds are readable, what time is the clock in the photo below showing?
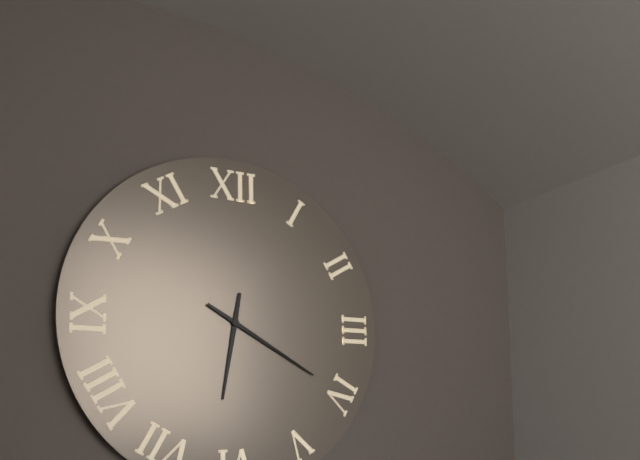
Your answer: **6:20**
